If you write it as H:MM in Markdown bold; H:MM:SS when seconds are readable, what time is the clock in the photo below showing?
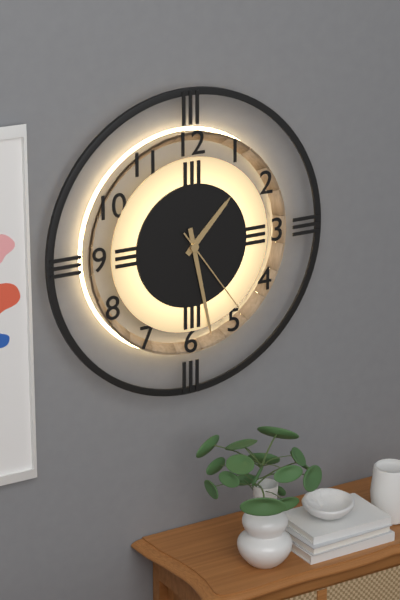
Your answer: **1:28:24**
